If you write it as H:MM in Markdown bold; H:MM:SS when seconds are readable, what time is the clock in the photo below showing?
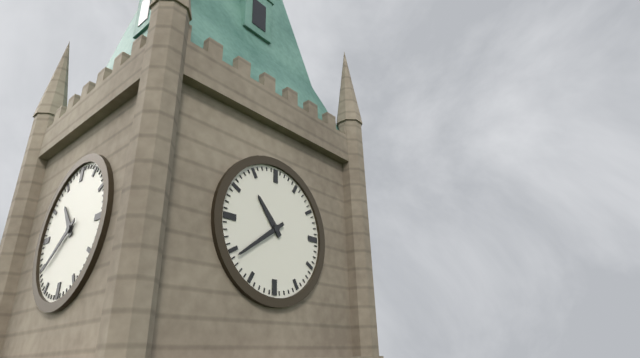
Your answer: **10:39**
